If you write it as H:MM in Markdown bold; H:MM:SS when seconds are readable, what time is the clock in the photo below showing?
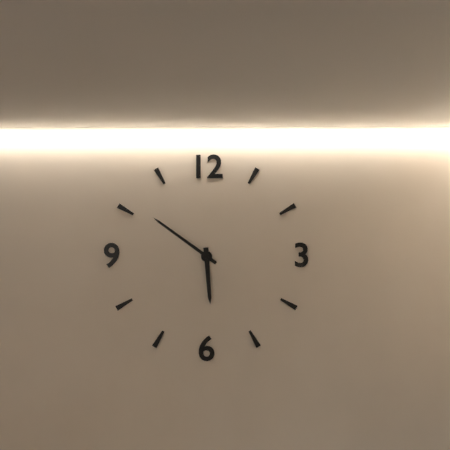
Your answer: **5:51**
